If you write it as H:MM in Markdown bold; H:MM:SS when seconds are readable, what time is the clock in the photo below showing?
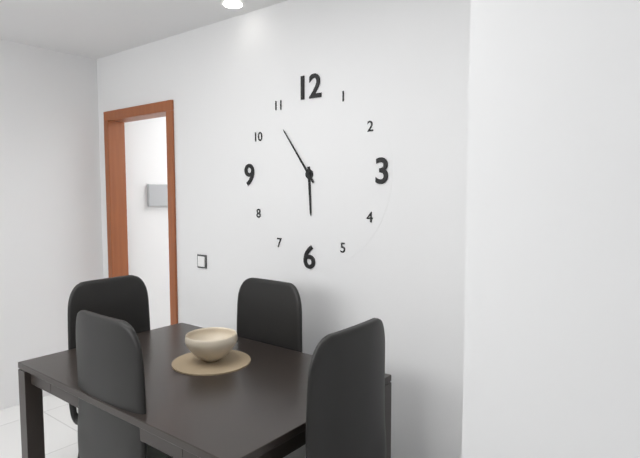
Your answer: **5:54**
